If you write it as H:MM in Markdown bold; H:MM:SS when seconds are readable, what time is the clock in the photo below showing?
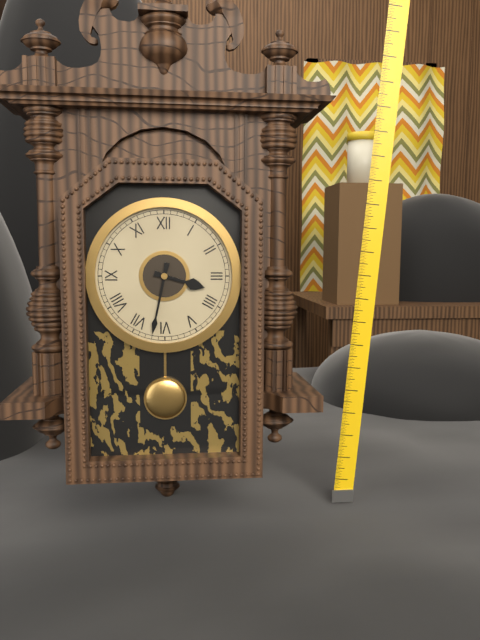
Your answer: **3:32**
